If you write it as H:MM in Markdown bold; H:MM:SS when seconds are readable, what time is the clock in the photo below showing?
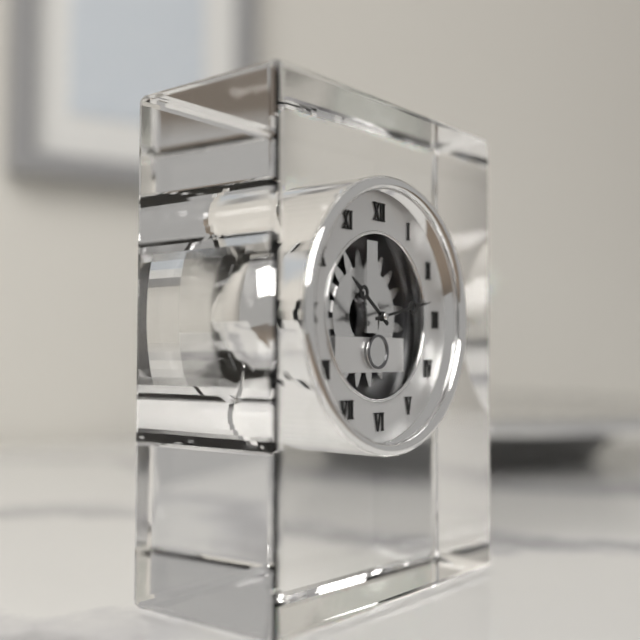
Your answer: **10:13**
